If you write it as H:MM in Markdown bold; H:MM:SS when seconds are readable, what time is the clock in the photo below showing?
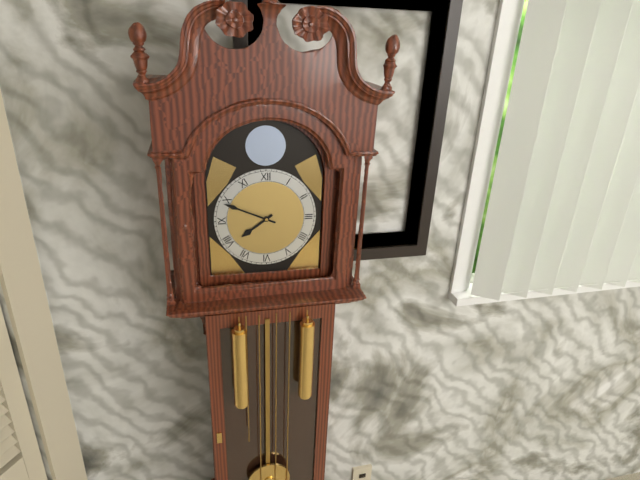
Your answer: **7:49**
